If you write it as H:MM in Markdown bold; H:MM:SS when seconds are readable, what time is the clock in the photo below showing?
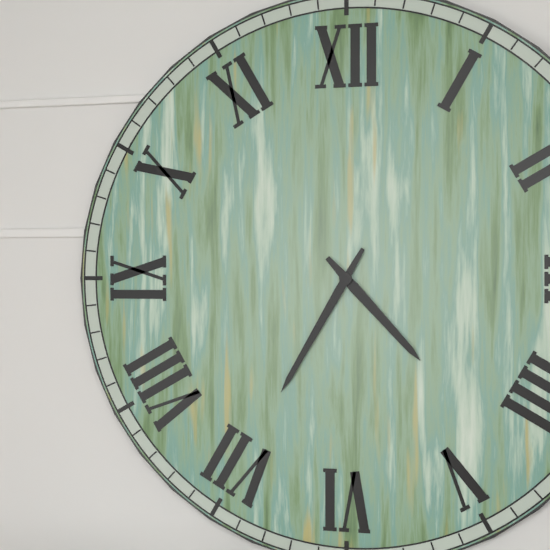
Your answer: **4:35**
